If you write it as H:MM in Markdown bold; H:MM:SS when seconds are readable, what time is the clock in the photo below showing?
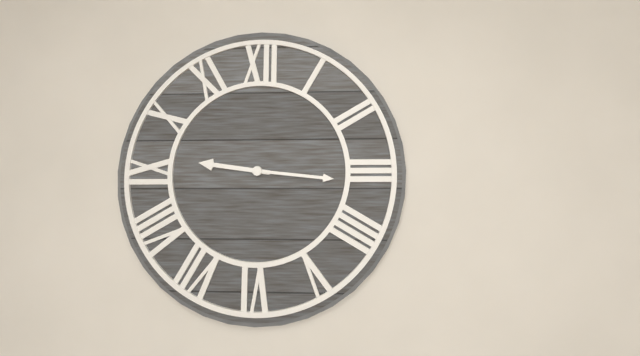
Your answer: **9:16**
